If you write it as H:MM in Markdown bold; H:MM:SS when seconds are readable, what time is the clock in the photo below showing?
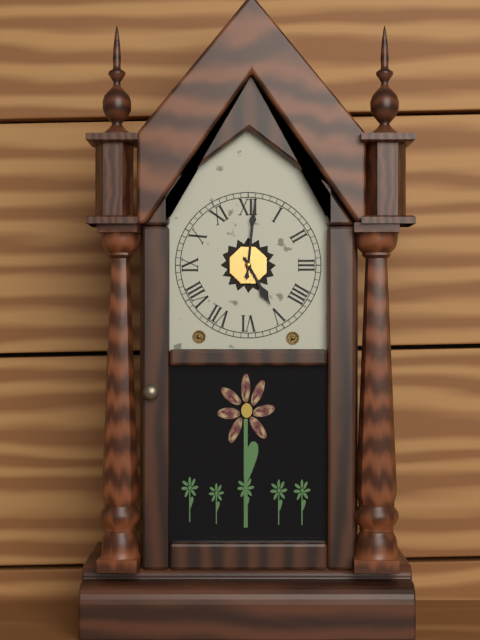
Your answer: **5:01**
